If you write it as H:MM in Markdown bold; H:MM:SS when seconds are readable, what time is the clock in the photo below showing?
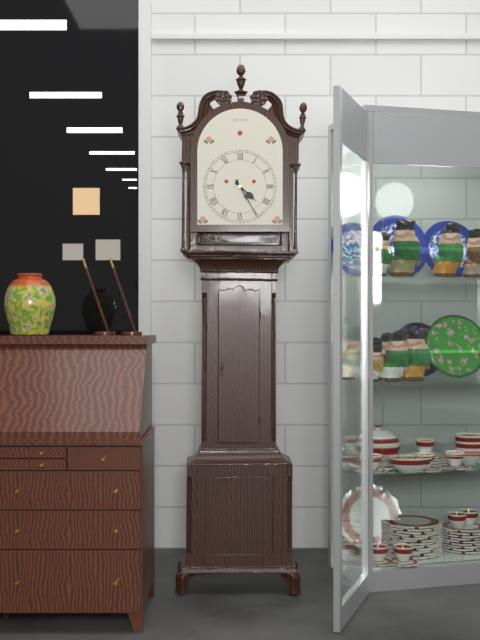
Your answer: **4:25**
